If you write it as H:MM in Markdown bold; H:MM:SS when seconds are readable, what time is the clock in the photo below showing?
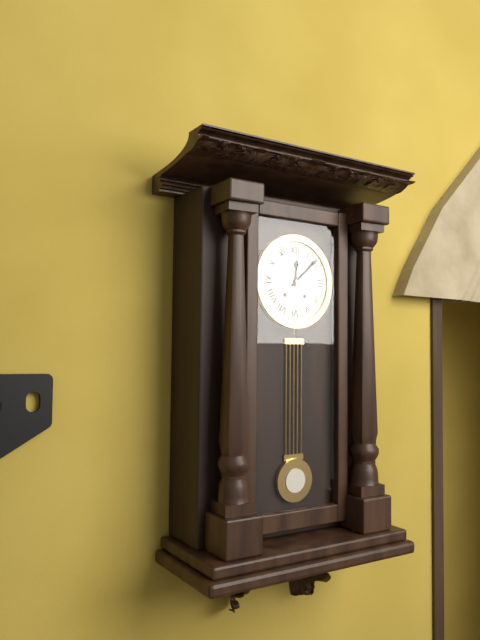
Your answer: **12:08**
